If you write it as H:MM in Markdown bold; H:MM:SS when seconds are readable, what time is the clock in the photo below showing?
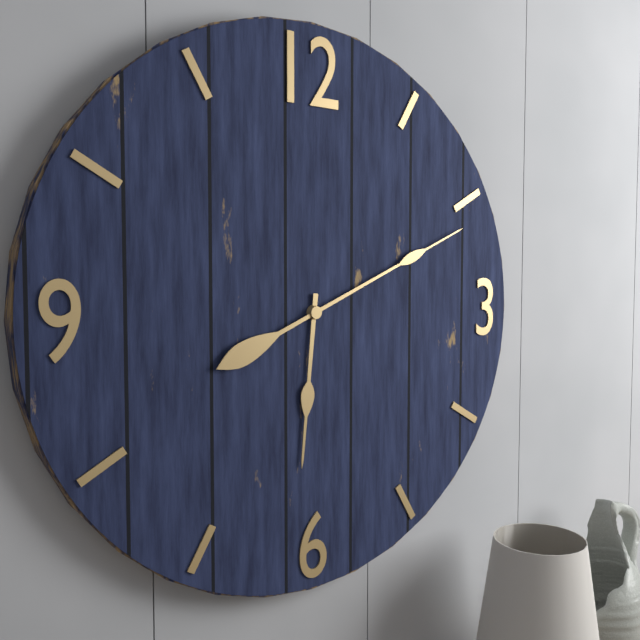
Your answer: **6:11**
